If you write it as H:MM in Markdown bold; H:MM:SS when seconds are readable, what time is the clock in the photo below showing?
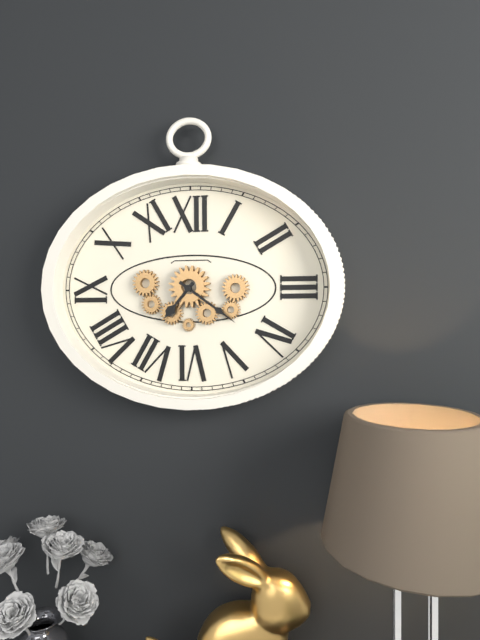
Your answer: **7:21**
